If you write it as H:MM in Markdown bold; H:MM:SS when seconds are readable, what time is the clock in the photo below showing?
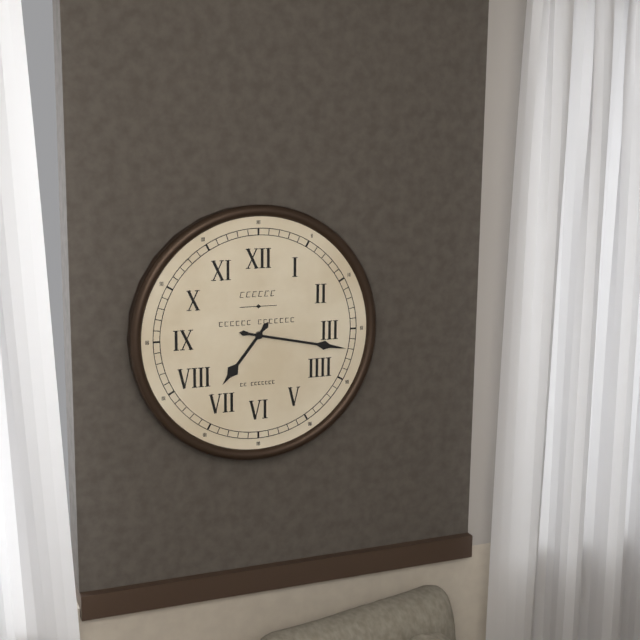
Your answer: **7:17**
